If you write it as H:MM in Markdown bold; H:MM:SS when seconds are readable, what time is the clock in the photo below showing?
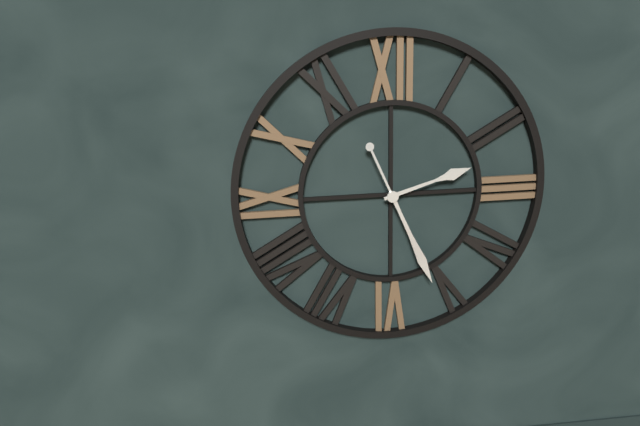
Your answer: **2:26**
